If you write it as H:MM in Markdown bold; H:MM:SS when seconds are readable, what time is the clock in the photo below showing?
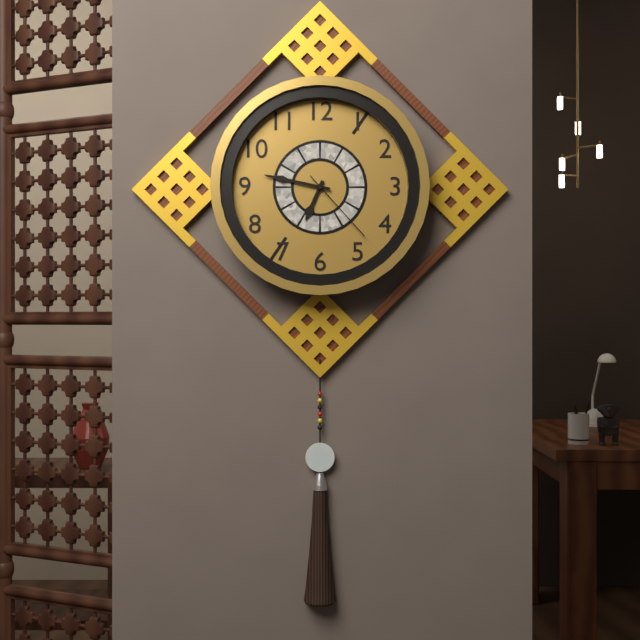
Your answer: **6:47:23**
